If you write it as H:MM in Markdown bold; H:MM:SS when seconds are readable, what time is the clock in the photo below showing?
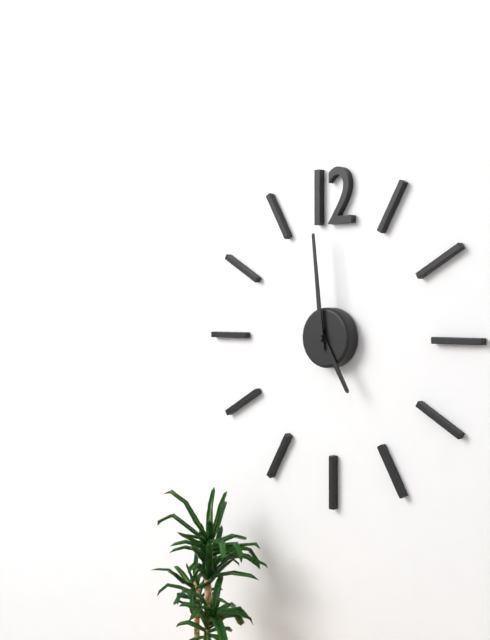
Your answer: **4:59**
